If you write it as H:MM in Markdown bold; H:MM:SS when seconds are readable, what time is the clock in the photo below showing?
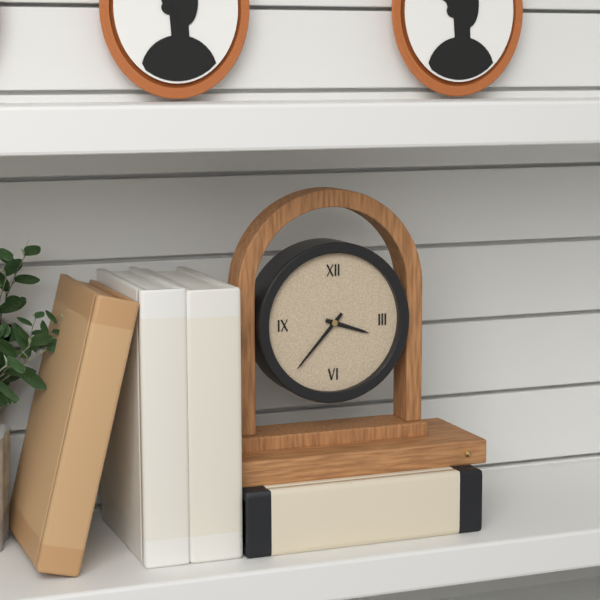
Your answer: **3:37**
